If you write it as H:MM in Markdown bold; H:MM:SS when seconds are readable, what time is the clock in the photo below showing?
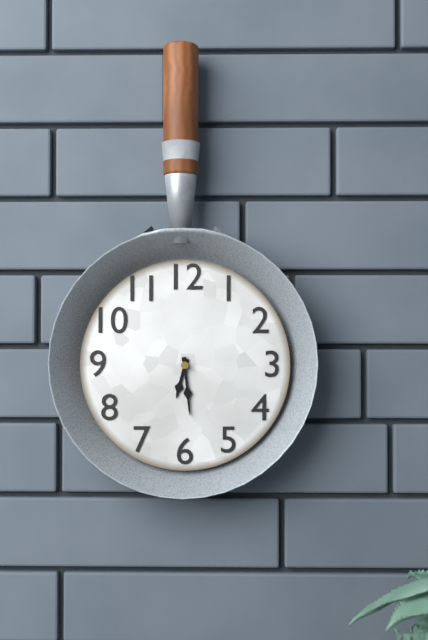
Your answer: **6:29**
